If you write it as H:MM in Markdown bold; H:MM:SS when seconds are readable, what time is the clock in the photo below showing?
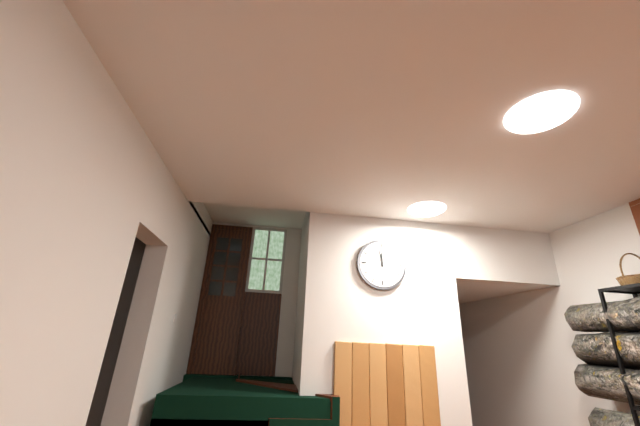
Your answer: **11:58**
